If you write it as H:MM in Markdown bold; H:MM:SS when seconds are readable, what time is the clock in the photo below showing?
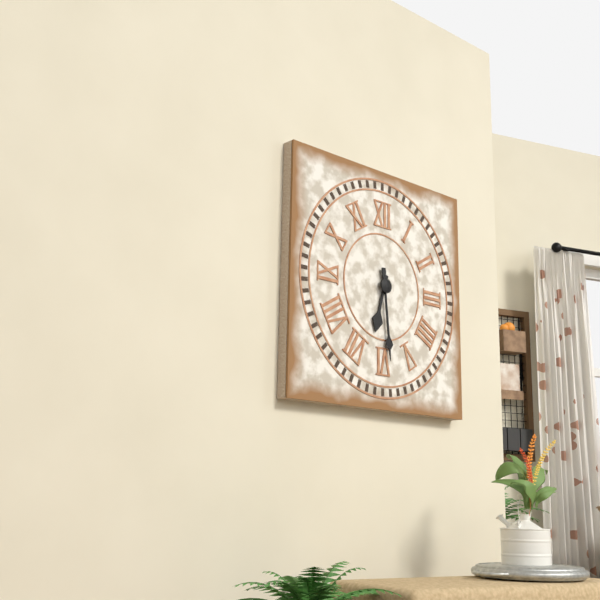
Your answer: **6:29**
